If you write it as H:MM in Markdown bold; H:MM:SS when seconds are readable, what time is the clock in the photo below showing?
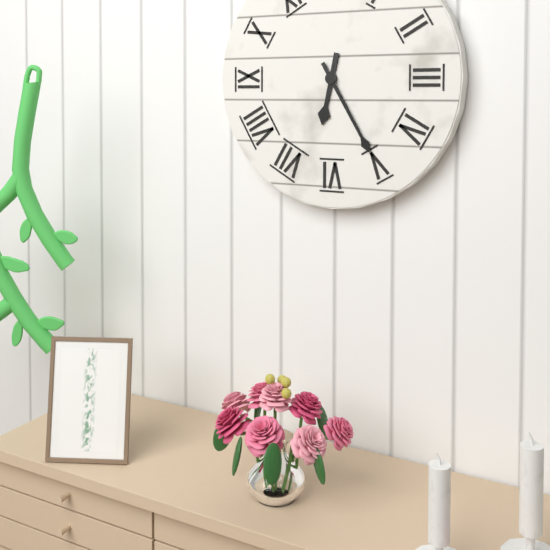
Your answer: **6:25**
